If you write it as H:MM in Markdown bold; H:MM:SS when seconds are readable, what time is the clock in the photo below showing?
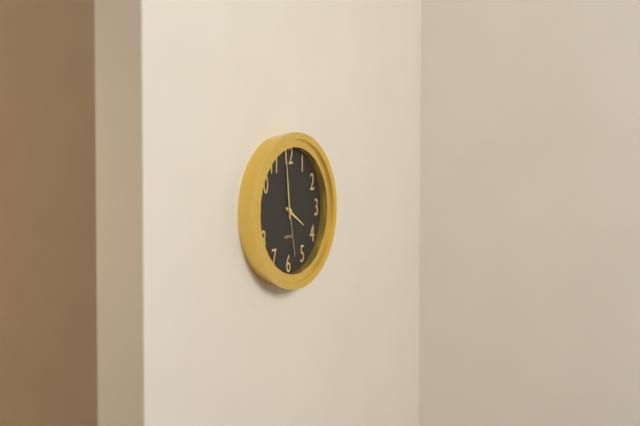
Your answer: **3:59:28**
